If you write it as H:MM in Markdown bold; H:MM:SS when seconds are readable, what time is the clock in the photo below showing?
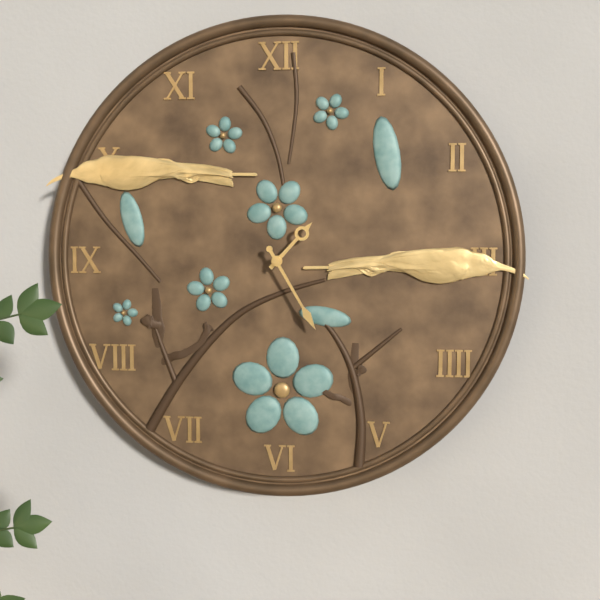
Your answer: **1:25**
